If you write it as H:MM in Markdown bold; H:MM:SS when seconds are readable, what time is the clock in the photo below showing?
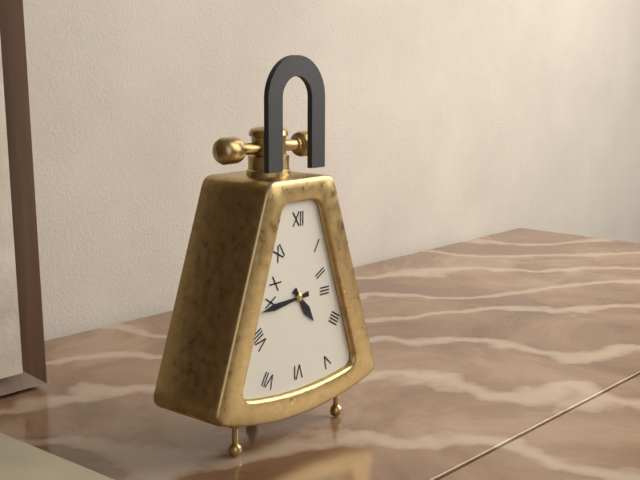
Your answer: **4:44**
